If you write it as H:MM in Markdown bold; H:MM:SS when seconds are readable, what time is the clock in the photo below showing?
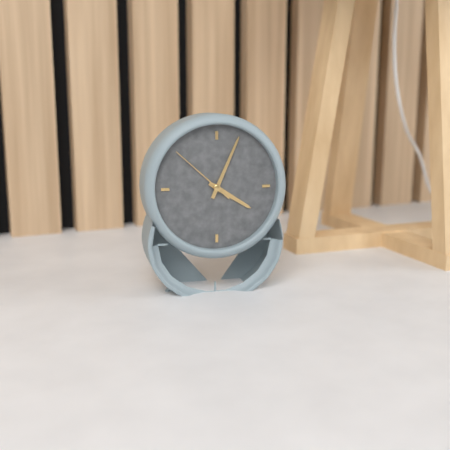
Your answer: **4:04:52**
